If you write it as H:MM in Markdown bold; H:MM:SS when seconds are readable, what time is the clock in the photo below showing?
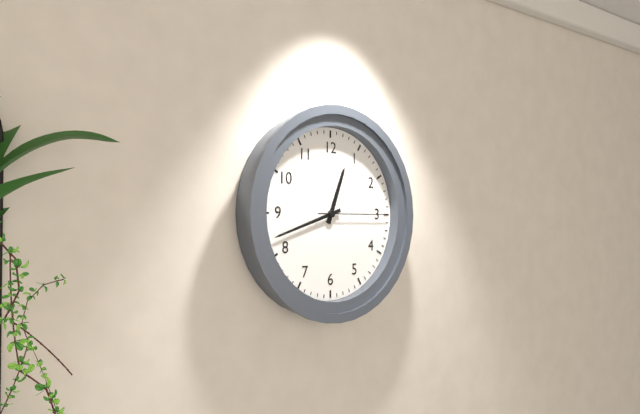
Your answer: **12:42:15**
